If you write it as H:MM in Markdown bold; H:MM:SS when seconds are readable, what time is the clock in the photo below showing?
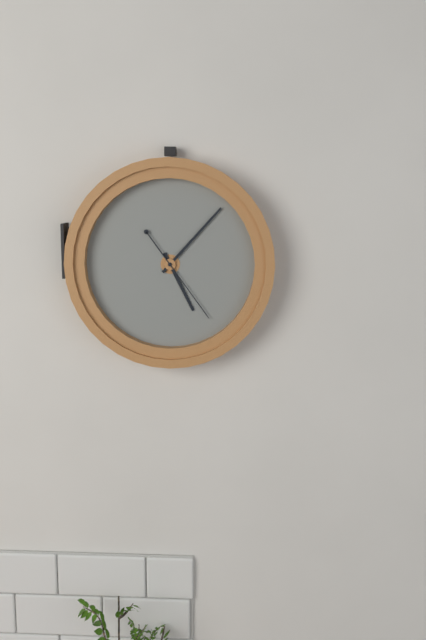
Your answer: **5:07:24**
